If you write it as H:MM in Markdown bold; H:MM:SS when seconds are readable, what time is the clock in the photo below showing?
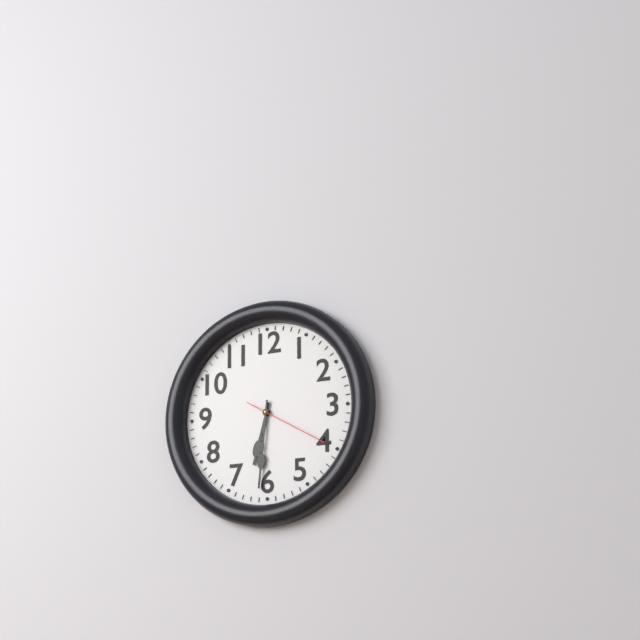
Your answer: **6:31:20**
